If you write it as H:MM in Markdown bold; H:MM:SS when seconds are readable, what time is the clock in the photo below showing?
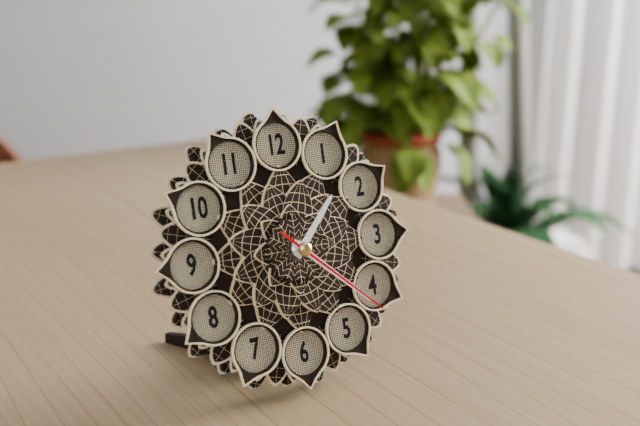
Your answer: **1:22:22**
